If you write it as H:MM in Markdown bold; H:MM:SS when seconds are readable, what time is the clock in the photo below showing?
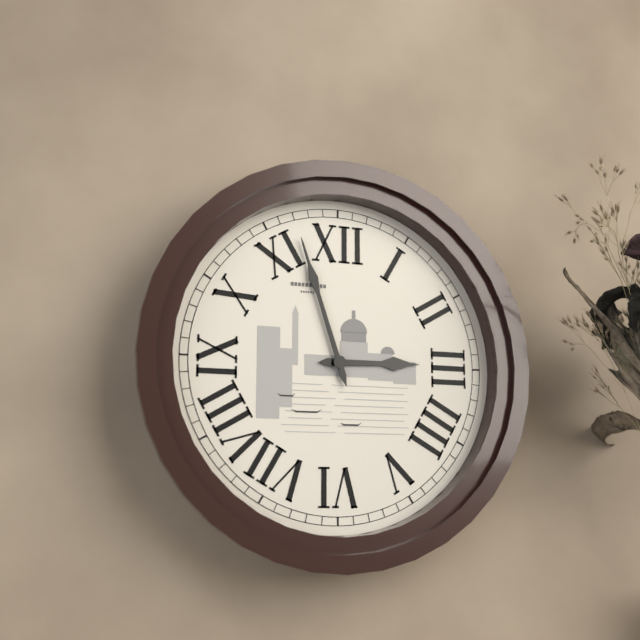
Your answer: **2:57**
